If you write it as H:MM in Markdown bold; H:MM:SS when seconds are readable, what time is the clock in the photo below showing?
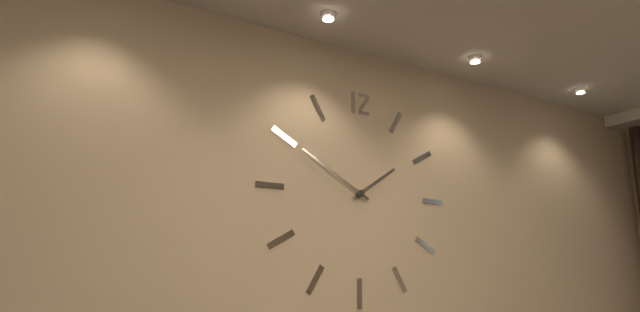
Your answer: **1:50**
